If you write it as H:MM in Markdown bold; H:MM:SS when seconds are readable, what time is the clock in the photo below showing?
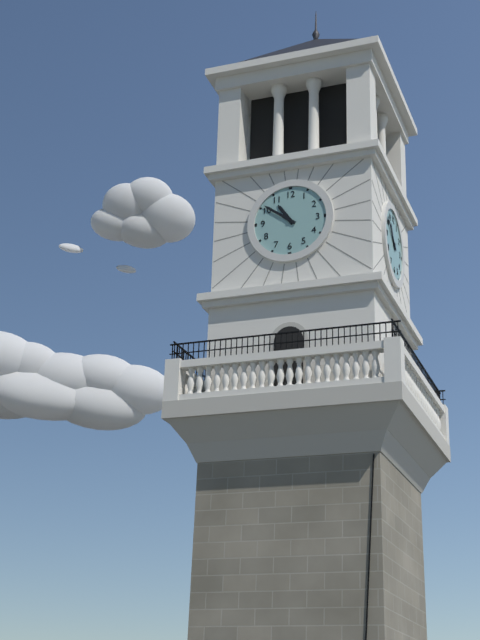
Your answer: **10:51**
